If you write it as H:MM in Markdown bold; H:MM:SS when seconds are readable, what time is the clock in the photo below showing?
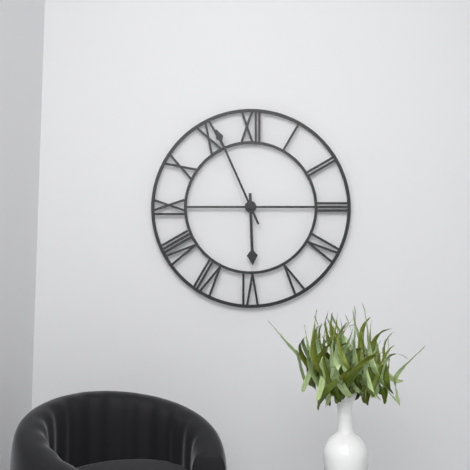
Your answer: **5:56**
